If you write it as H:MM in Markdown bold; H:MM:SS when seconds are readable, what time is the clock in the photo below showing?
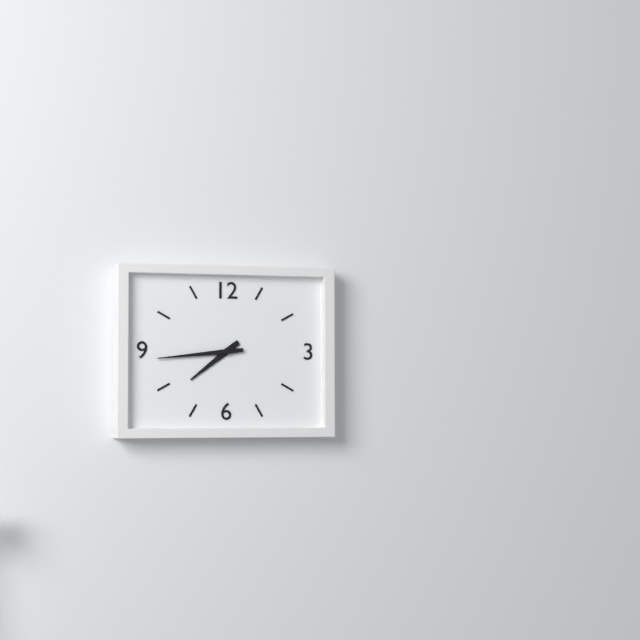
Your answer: **7:44**
